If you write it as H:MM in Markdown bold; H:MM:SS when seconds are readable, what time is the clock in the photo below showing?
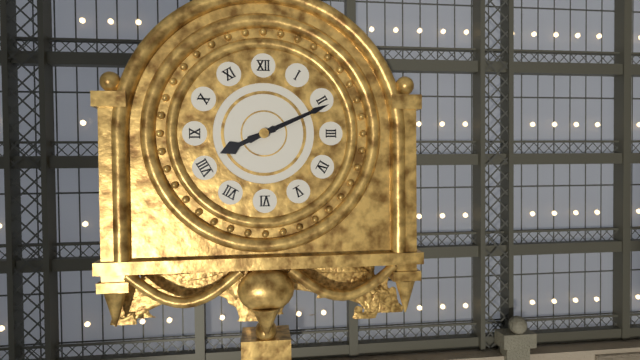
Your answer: **8:11**
